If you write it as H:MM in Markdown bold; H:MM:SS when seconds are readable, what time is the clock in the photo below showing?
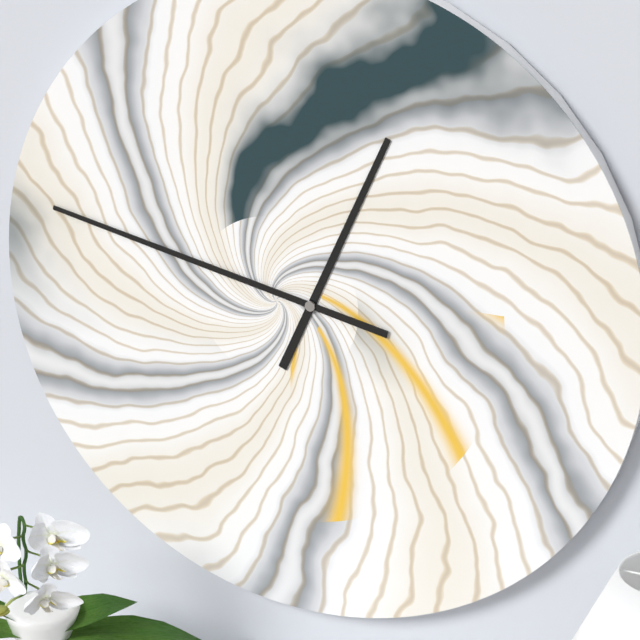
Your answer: **12:47**
